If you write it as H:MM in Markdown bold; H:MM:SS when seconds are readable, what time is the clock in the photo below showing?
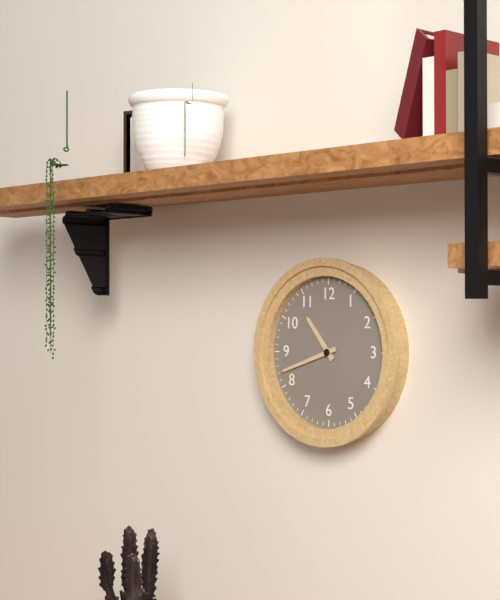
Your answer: **10:42**
